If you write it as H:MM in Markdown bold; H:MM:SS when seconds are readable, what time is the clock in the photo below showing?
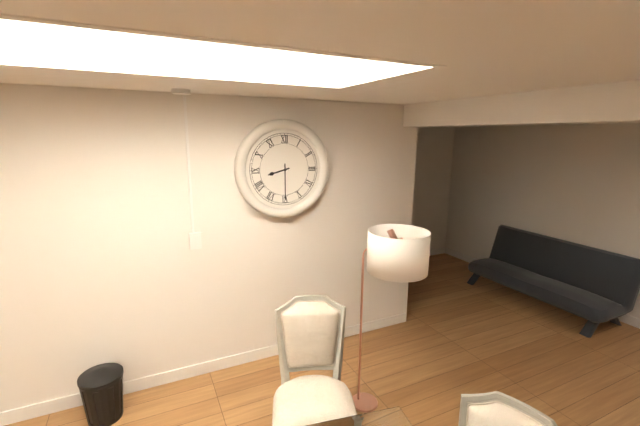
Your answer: **8:30**
